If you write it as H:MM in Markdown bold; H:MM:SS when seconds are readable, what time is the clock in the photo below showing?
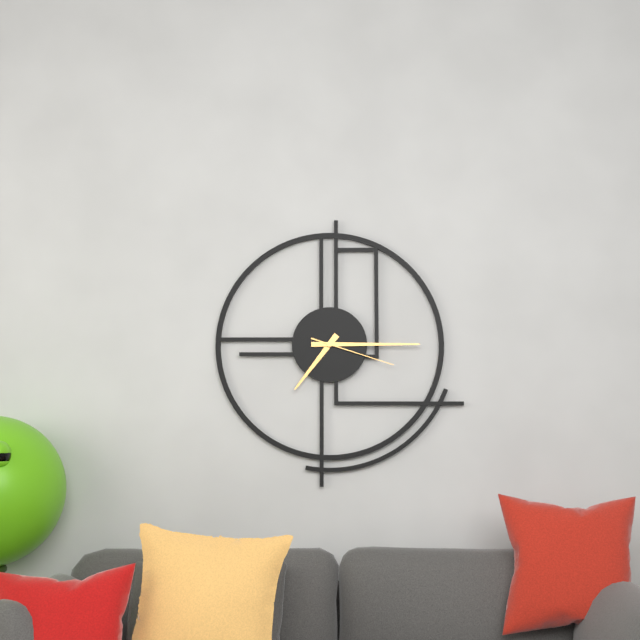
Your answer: **7:15:18**
